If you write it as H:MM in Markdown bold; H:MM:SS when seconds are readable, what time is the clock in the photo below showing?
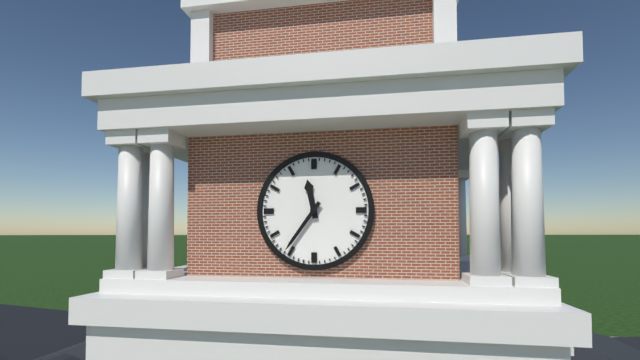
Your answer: **11:36**
